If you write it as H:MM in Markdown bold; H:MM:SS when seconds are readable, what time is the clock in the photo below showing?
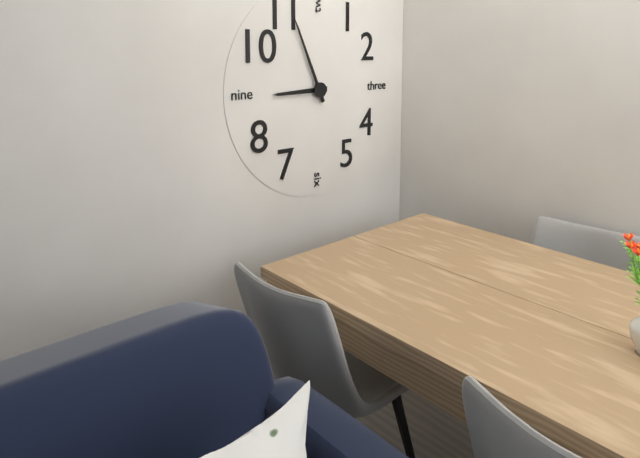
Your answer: **8:56**
